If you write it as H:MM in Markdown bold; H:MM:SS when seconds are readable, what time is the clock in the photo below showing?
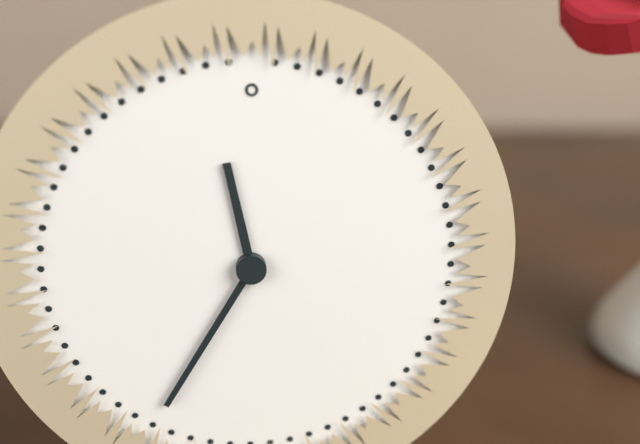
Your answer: **11:35**
